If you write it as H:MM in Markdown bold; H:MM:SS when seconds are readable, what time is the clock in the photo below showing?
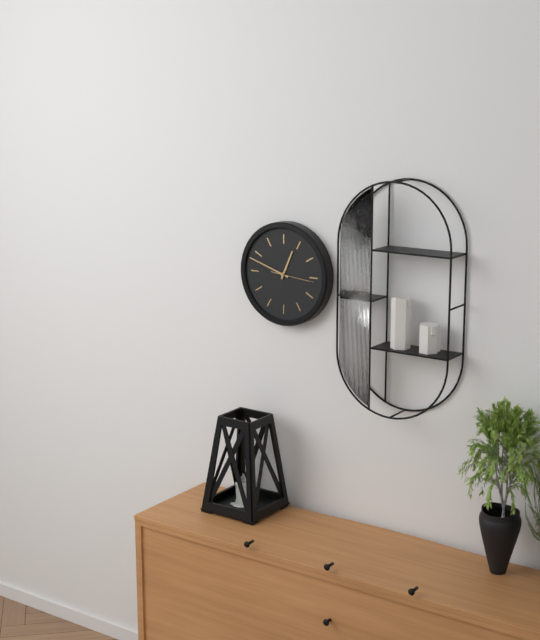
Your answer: **12:48**
